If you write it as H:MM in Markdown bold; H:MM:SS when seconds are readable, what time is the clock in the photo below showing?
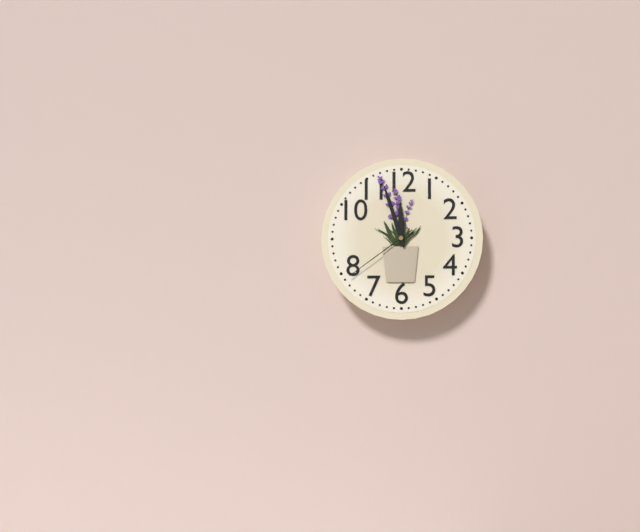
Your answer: **11:57:39**
